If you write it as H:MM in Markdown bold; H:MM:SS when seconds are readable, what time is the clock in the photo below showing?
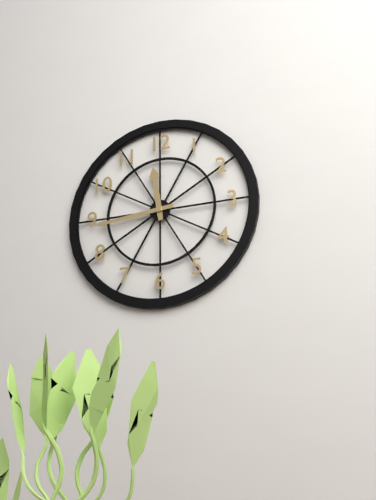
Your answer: **11:44**
